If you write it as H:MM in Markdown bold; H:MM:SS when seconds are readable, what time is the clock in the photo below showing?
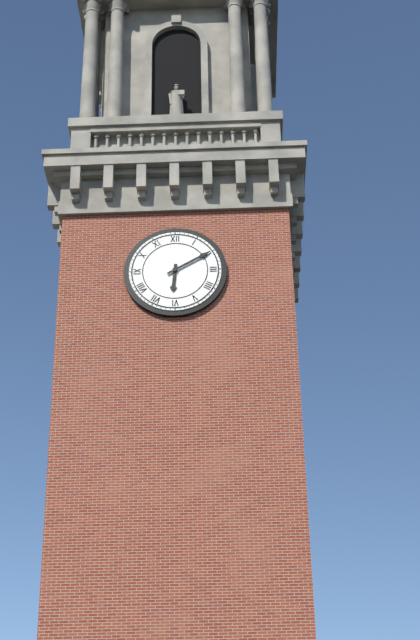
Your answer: **6:10**
